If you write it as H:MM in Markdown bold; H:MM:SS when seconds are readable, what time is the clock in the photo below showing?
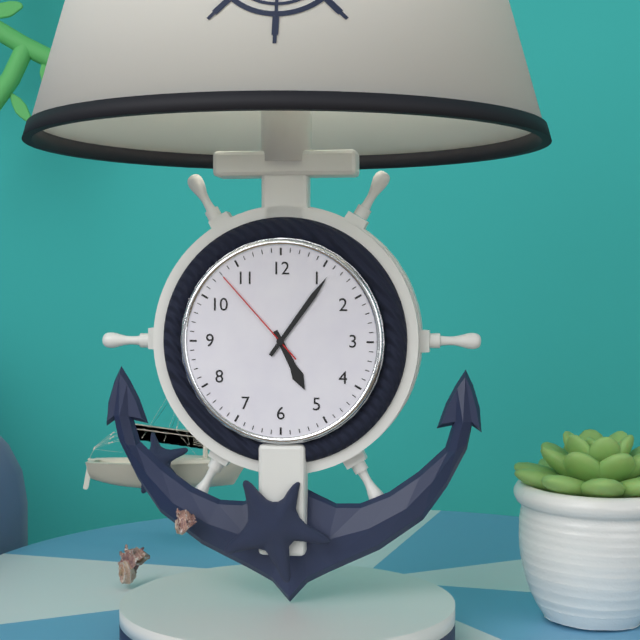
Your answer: **5:06:53**
